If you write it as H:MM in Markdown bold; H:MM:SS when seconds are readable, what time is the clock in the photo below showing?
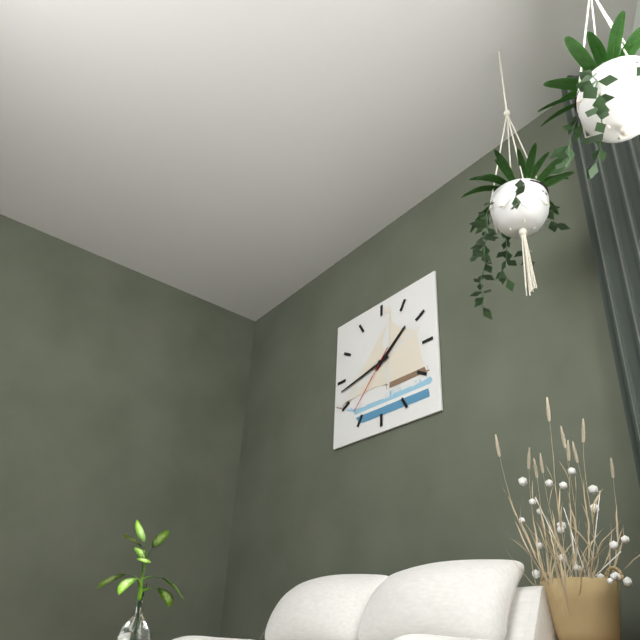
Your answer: **1:43:37**
